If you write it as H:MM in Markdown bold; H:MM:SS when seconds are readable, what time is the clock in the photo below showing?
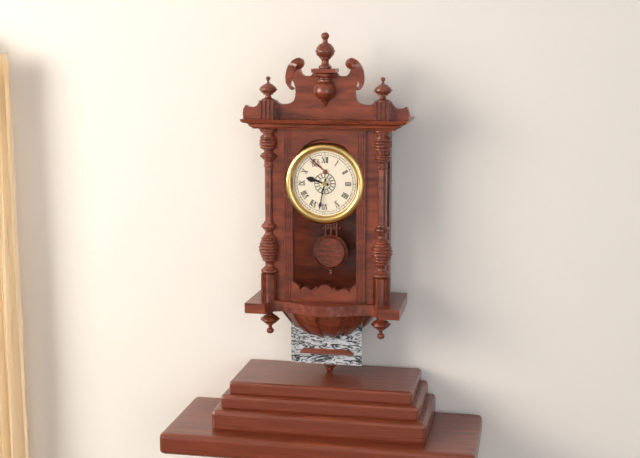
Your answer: **9:32**
